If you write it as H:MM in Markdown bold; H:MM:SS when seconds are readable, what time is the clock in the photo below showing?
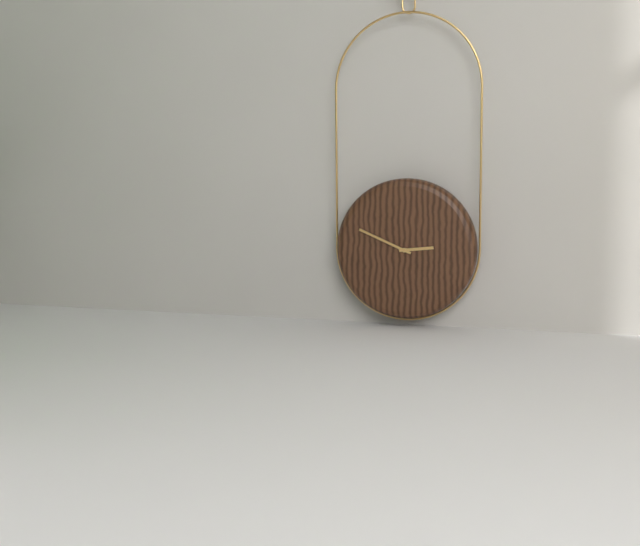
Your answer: **2:49**
